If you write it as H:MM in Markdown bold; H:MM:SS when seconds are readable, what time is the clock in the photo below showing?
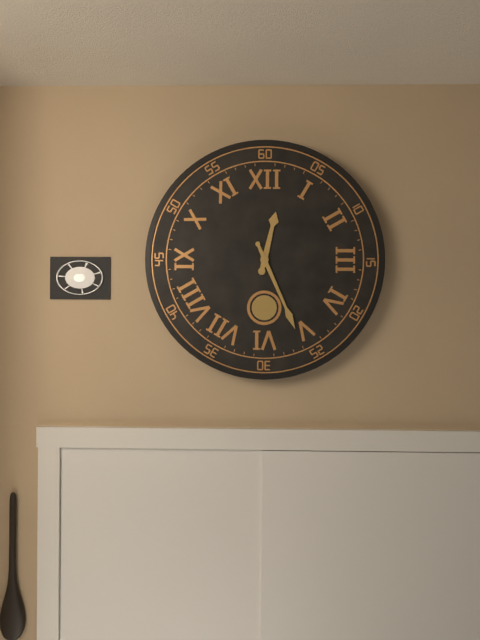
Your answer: **12:26**
